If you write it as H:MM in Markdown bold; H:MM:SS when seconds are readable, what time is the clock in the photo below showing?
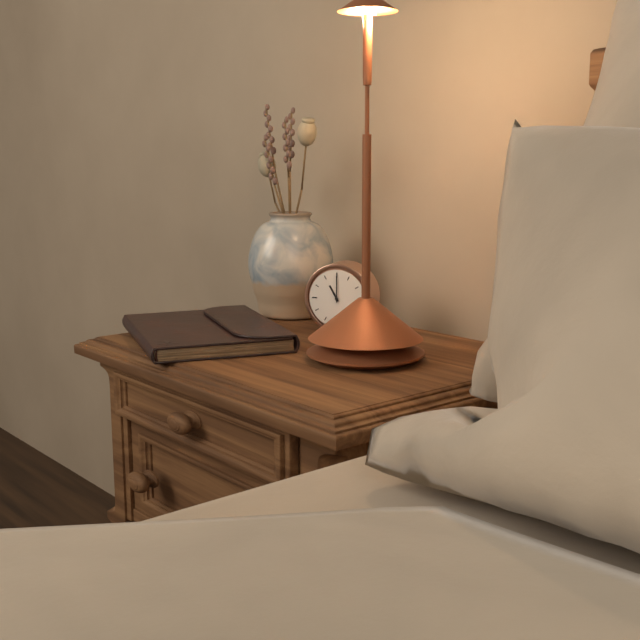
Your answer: **11:00**
